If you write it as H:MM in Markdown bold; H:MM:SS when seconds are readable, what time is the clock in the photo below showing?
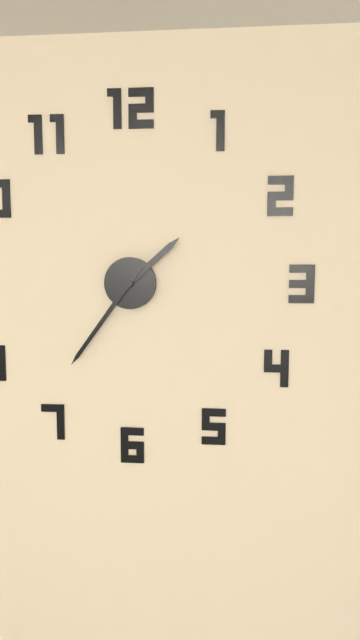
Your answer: **1:36**
